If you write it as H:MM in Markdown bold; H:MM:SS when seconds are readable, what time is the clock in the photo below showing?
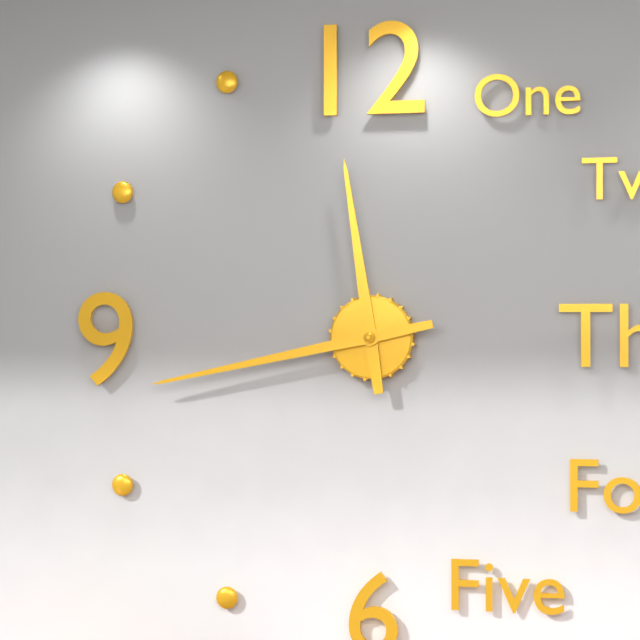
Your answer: **11:43**
